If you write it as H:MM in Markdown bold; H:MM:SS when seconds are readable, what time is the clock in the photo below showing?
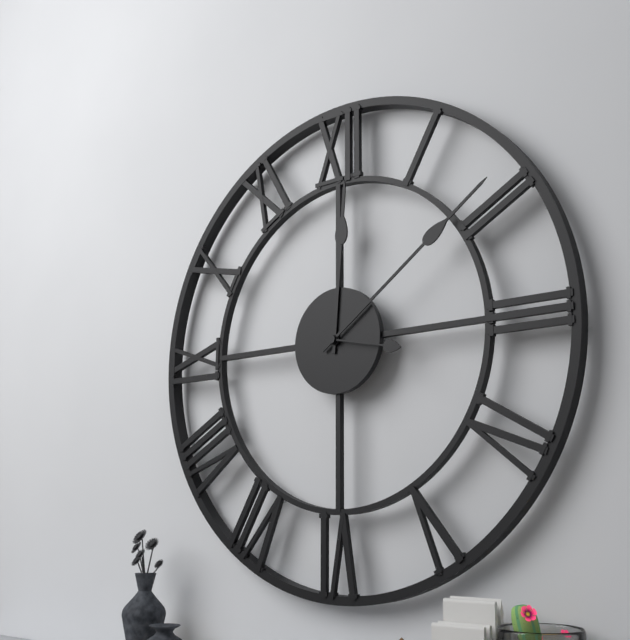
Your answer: **12:09:17**
